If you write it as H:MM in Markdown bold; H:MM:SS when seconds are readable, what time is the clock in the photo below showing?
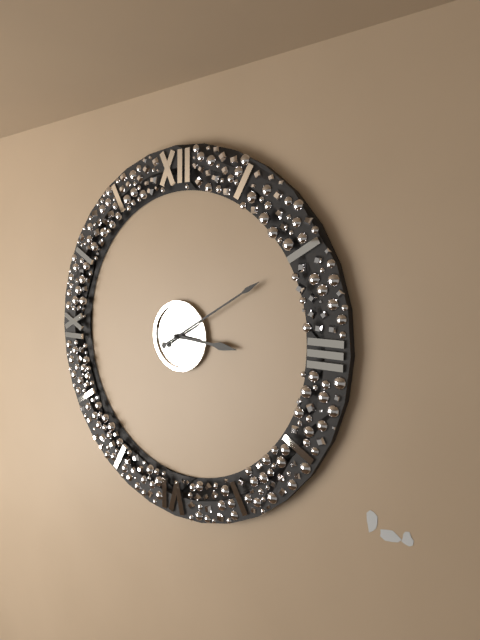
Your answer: **3:10**
